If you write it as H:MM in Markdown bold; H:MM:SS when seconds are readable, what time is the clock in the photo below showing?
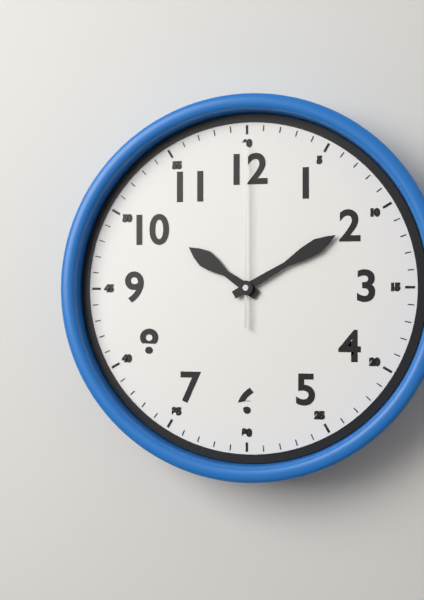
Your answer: **10:10:00**
